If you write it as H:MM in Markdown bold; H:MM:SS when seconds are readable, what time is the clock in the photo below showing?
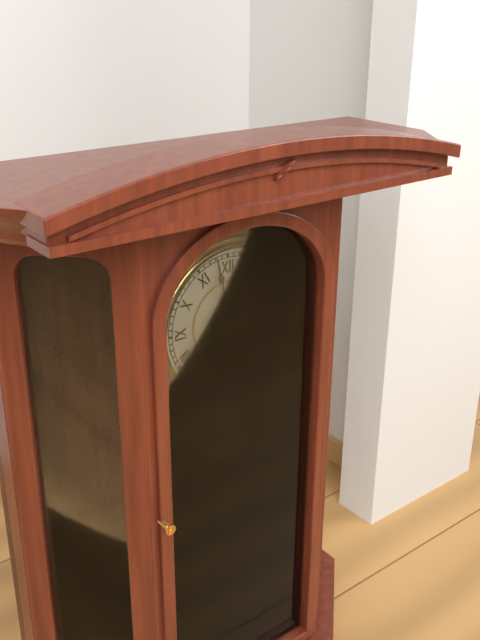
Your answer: **6:58**
